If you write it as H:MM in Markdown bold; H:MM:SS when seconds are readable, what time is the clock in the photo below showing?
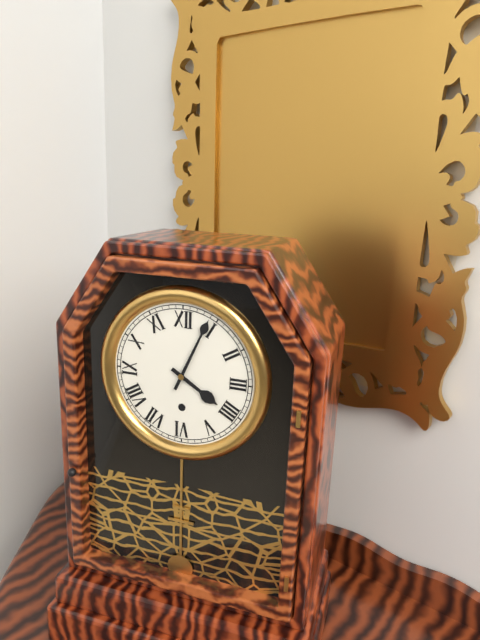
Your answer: **4:04**
